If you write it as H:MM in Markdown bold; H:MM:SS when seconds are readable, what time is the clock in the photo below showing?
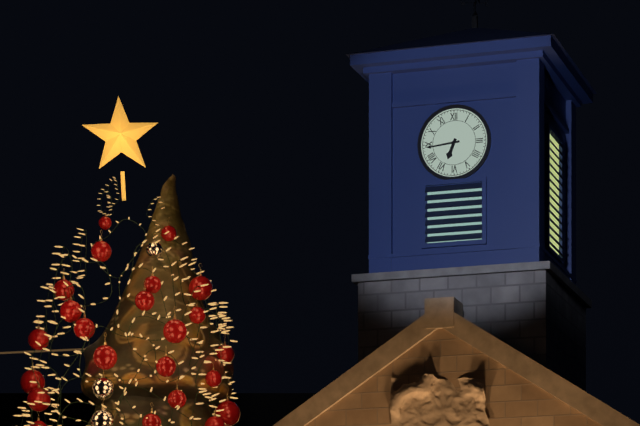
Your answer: **6:44**
